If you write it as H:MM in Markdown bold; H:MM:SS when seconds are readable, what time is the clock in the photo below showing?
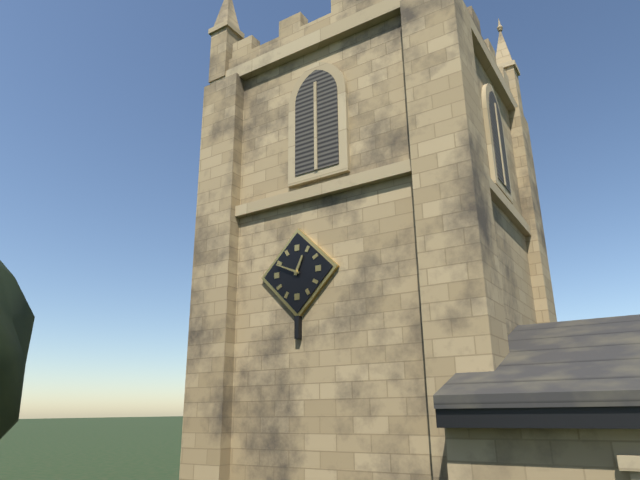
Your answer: **12:49**
